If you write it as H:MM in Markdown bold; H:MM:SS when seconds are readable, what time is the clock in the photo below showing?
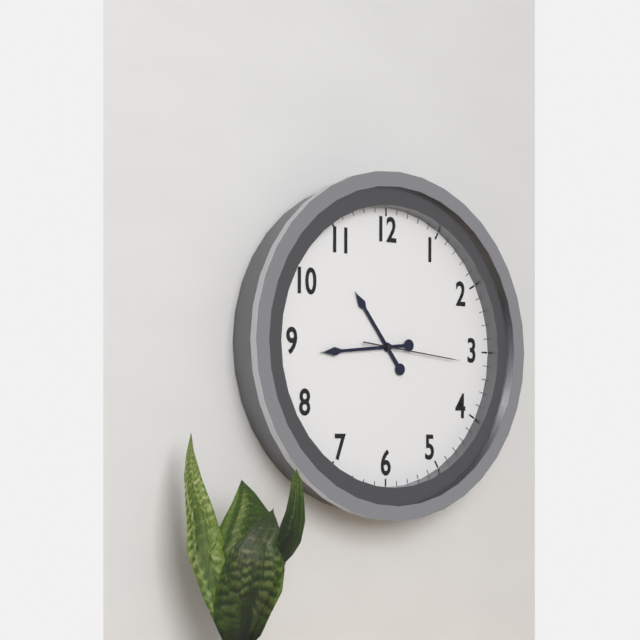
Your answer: **10:44:16**
